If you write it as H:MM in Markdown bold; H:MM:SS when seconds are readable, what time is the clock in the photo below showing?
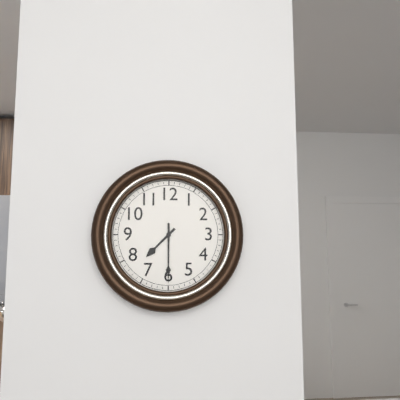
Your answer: **7:30**
